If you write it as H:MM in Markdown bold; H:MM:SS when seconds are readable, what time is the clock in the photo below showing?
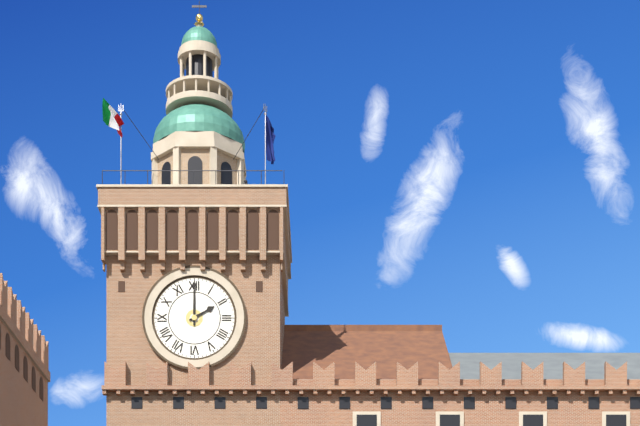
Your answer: **2:00**
